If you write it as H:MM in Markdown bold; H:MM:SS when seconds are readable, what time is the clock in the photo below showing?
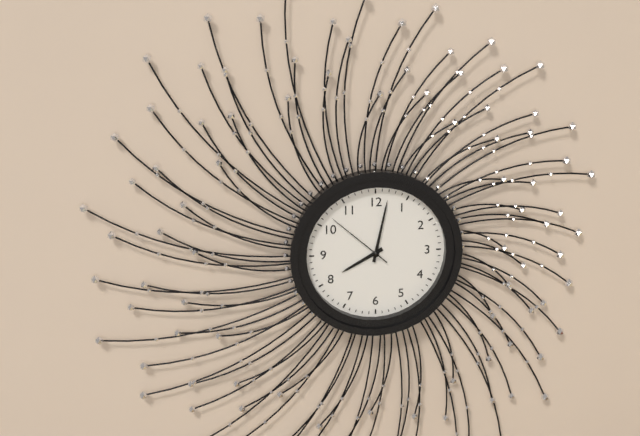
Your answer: **8:02:52**
